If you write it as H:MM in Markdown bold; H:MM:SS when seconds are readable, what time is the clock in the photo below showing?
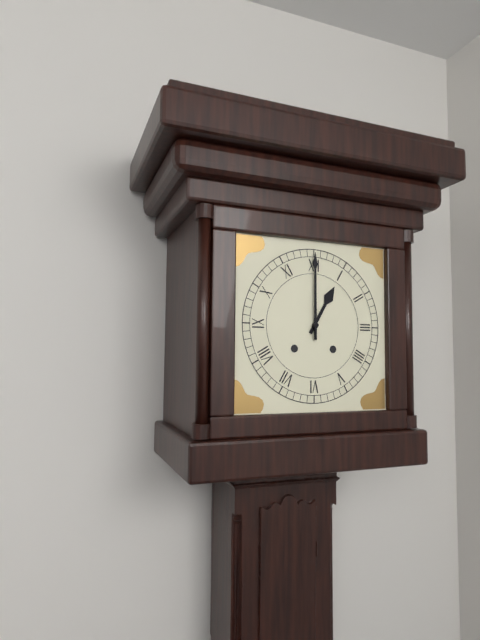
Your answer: **1:00**
